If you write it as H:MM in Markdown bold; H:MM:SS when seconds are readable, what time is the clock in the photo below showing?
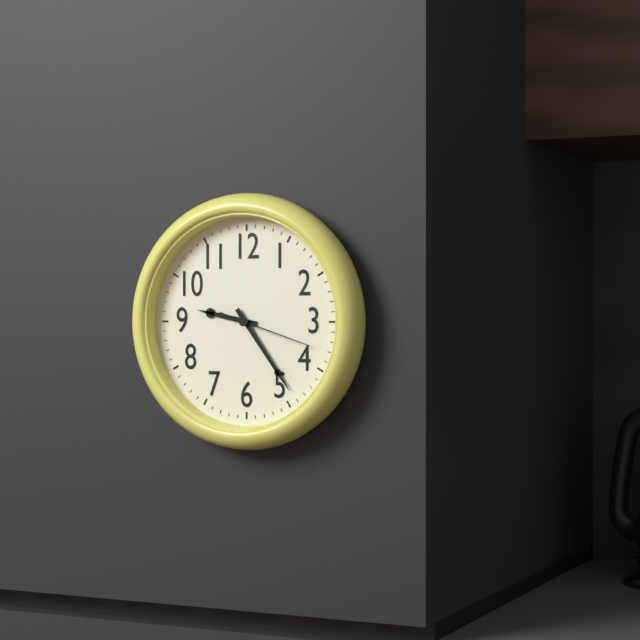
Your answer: **9:24:18**
